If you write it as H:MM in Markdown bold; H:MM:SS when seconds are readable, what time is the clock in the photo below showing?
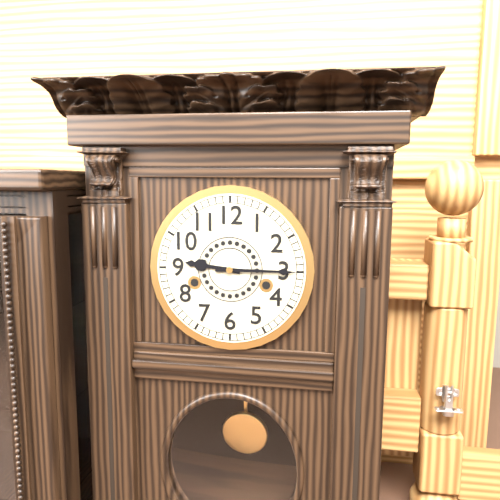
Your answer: **9:15**
